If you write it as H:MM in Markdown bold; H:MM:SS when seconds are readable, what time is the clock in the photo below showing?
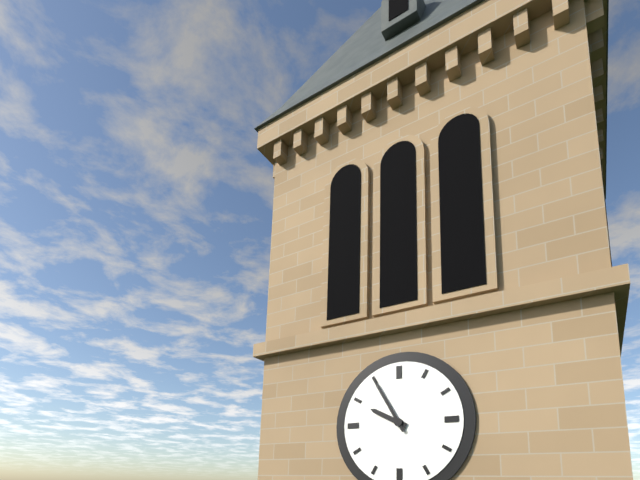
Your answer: **9:55**
